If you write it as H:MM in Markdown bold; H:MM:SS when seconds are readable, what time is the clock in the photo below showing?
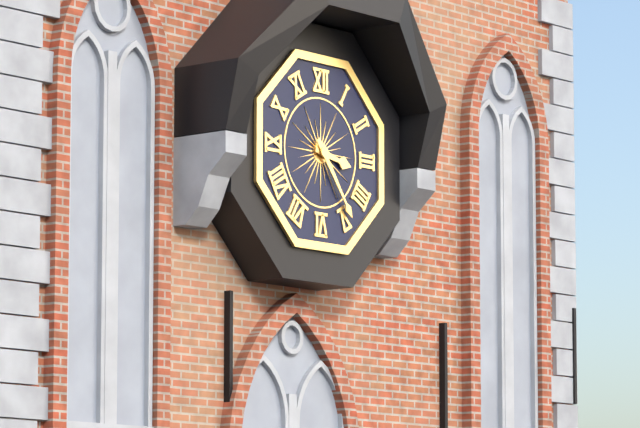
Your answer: **3:24**
